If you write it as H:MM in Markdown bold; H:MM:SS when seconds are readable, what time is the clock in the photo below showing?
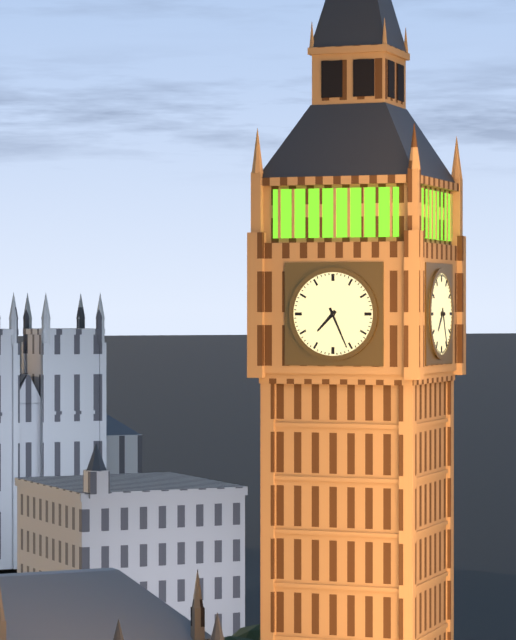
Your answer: **7:26**
